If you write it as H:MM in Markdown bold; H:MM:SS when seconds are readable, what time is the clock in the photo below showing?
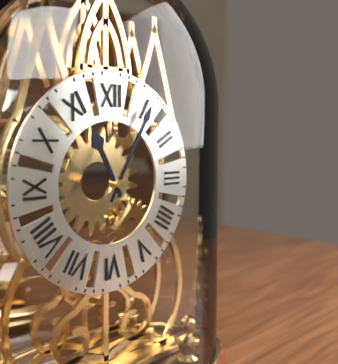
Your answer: **11:05**
